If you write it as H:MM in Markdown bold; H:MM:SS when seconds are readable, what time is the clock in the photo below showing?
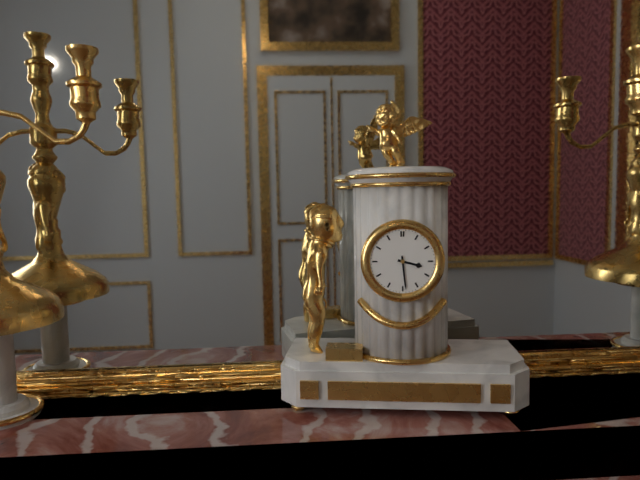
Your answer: **3:29**
